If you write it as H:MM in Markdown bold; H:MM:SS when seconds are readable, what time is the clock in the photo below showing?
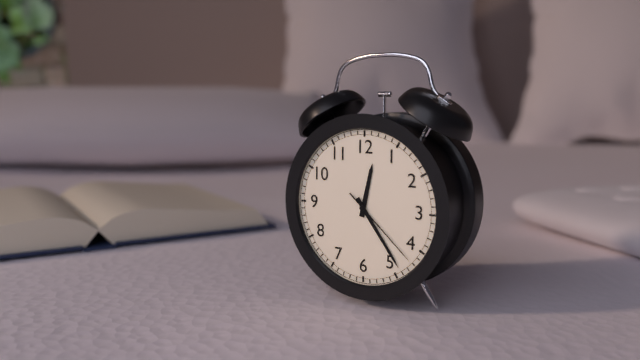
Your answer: **12:24:22**
